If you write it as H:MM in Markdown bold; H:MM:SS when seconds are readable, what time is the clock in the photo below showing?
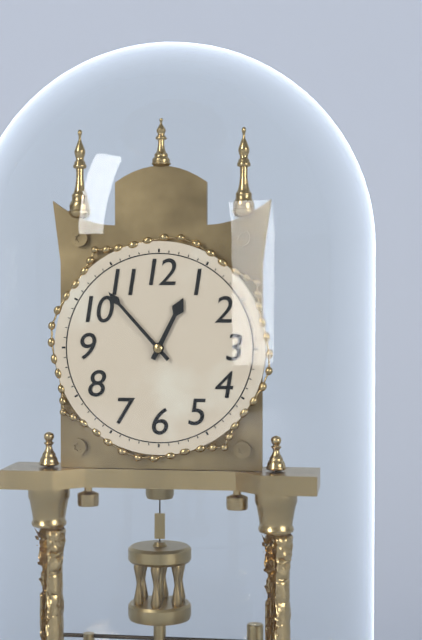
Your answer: **12:53**
